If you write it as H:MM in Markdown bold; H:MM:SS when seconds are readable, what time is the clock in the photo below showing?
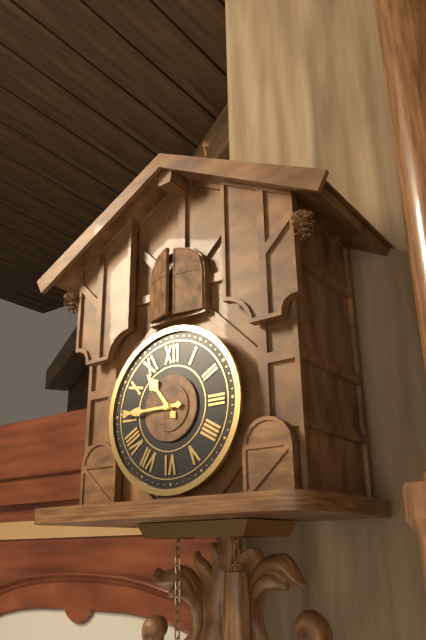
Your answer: **10:45**
